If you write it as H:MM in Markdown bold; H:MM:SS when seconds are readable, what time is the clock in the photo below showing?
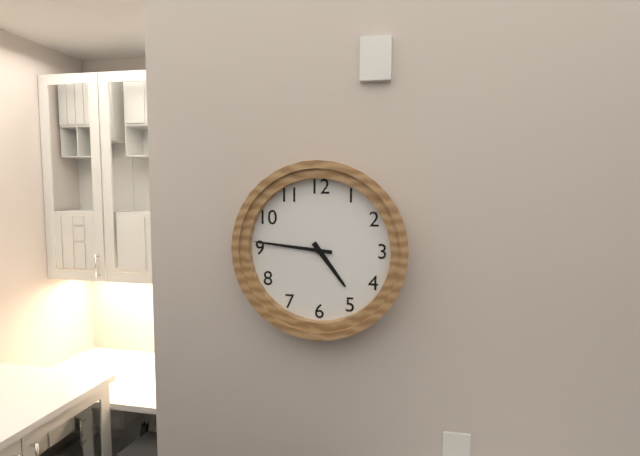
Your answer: **4:46**
